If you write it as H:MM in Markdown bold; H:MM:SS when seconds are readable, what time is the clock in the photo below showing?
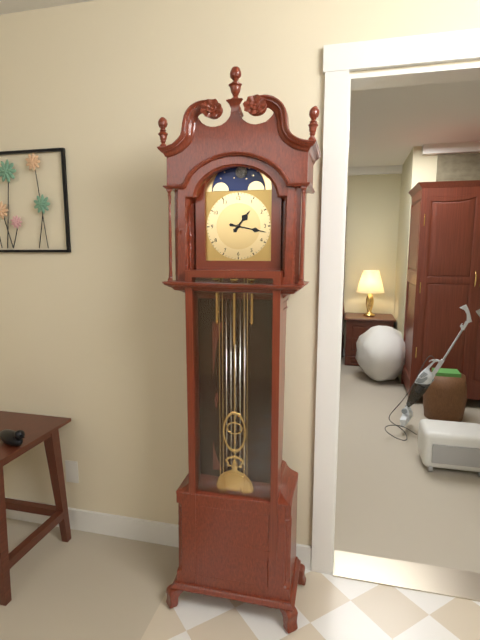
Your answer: **1:17**
